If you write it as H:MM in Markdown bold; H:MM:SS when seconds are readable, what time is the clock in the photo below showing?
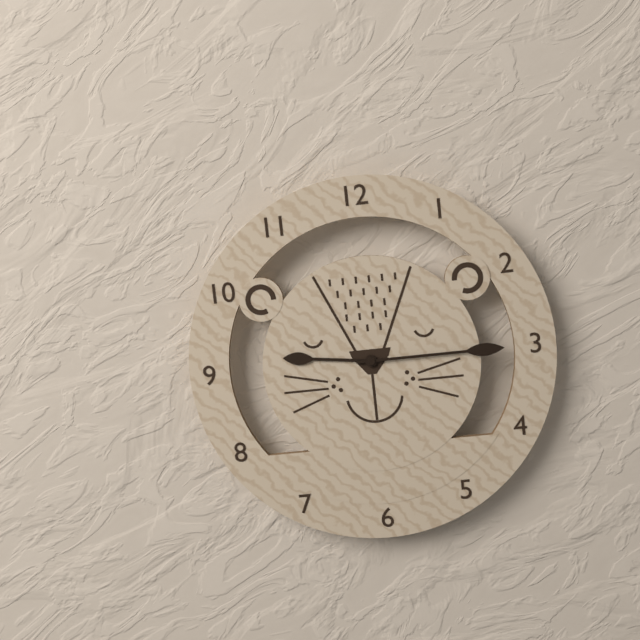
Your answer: **9:15**
